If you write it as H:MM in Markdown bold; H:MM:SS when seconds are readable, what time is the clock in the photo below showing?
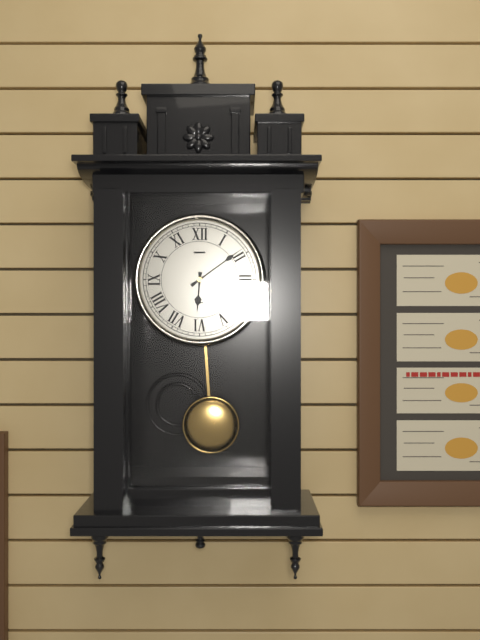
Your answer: **6:09**
